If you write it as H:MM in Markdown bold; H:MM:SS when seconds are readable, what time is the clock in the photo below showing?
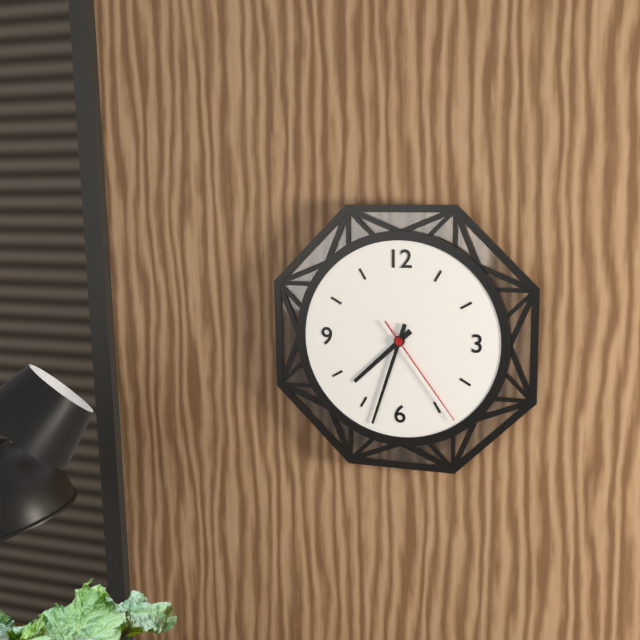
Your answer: **7:33:24**
